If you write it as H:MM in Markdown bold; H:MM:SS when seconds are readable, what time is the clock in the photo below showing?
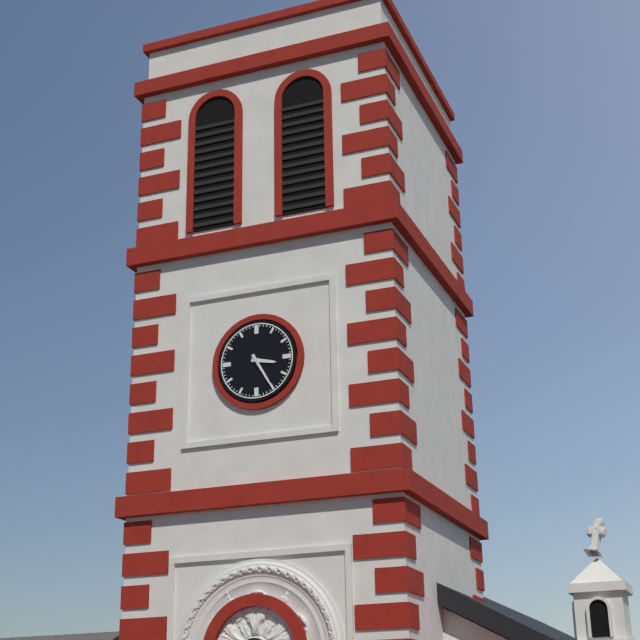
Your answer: **3:25**
